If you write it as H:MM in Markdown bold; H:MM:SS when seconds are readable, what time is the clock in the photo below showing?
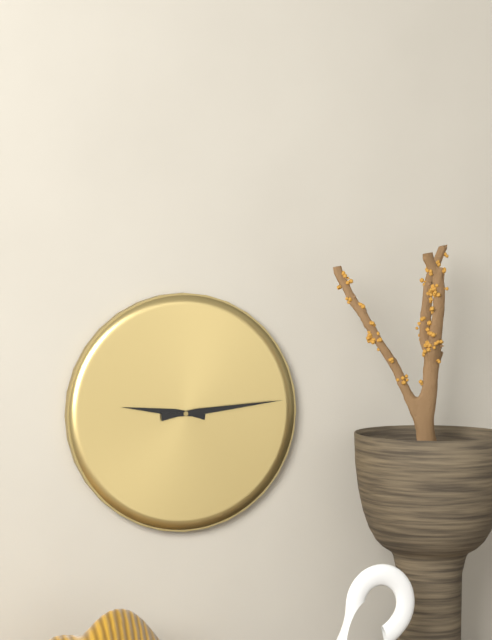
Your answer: **9:14**
